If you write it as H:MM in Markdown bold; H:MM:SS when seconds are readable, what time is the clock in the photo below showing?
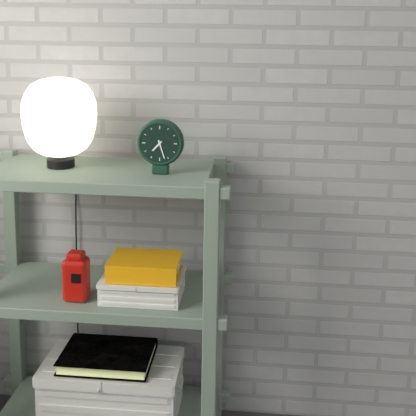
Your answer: **7:27**
